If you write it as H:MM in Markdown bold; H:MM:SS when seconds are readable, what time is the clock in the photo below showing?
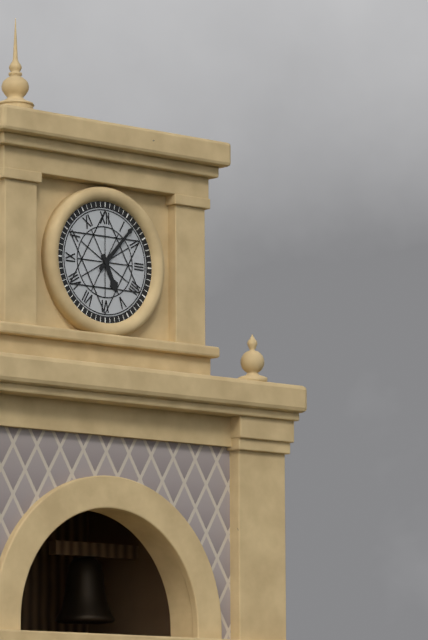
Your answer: **5:07**
